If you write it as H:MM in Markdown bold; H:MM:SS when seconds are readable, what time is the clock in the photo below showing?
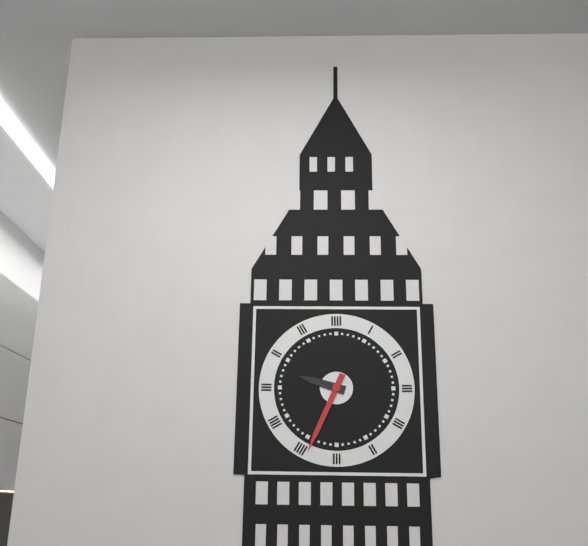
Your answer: **9:34**
